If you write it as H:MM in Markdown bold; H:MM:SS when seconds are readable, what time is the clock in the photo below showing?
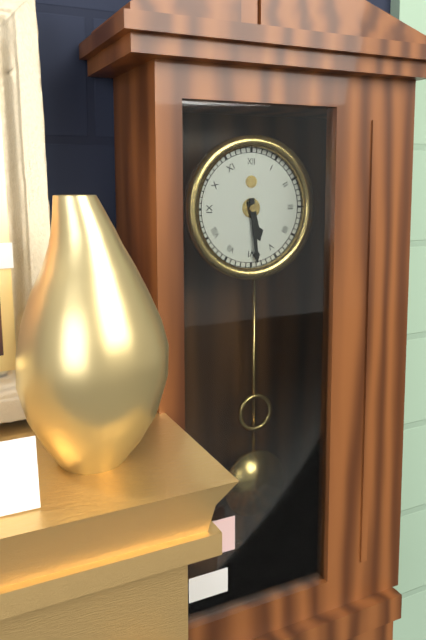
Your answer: **5:29**
